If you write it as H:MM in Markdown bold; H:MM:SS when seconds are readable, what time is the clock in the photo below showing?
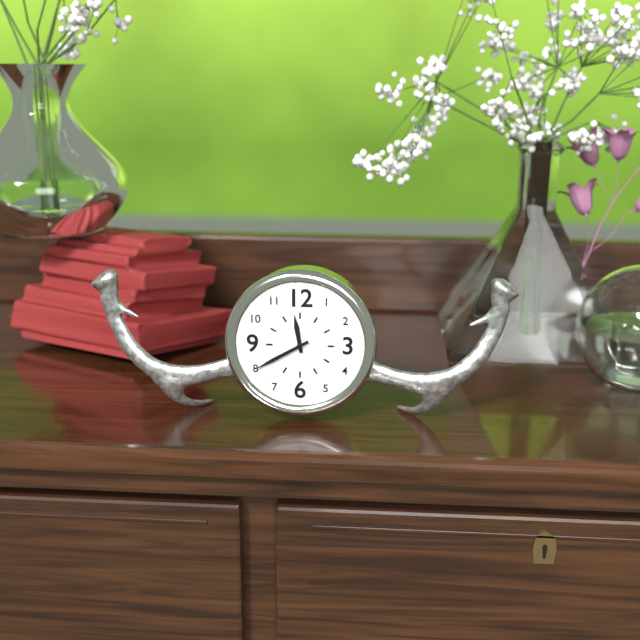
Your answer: **11:40**
